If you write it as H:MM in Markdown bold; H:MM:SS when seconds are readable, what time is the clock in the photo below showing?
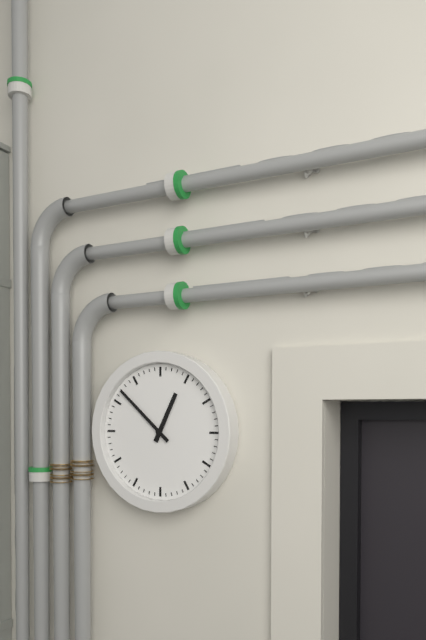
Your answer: **12:52**
